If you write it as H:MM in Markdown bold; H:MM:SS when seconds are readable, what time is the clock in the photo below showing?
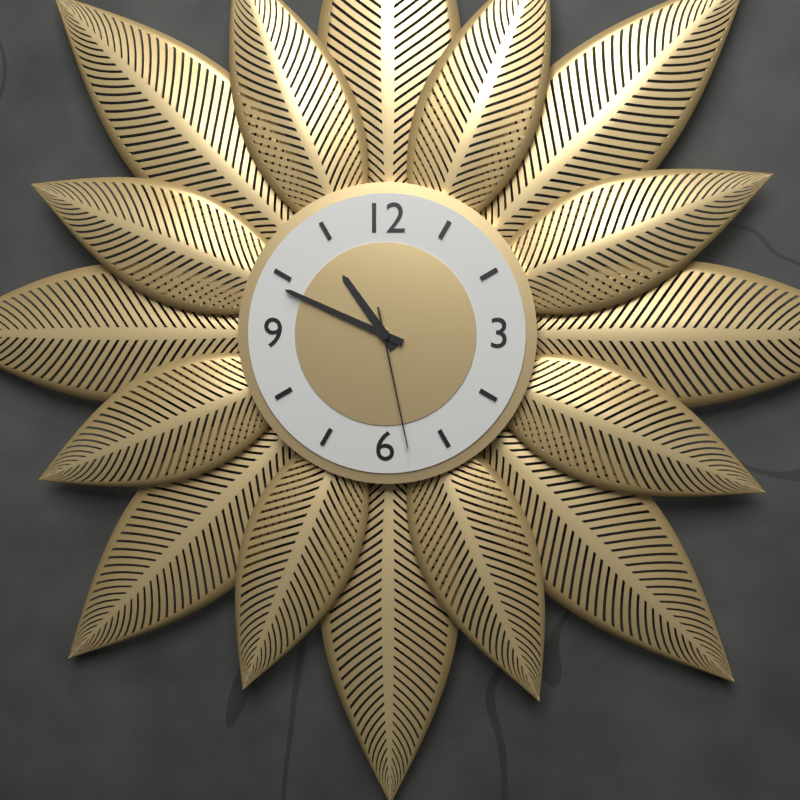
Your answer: **10:49:28**
